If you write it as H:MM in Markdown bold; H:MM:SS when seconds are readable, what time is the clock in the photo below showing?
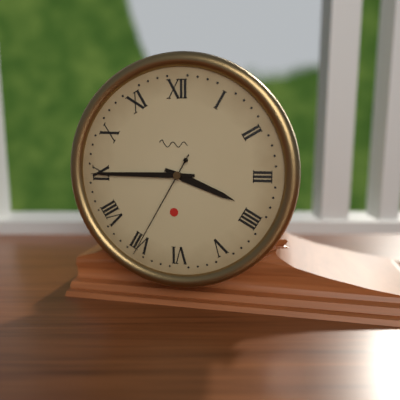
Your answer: **3:45:35**
